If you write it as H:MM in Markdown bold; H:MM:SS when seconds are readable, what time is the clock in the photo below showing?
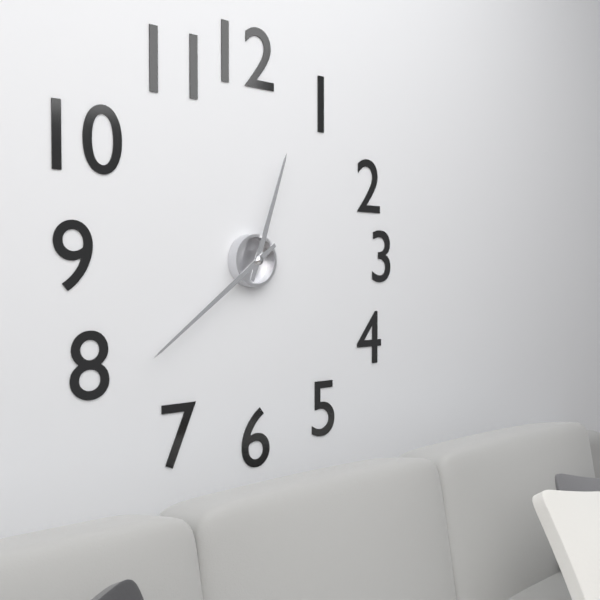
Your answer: **12:39**
